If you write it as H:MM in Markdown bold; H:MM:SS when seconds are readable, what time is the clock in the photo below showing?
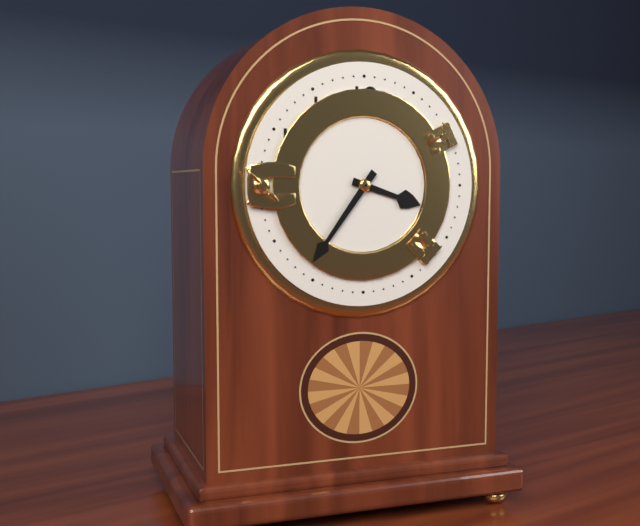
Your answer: **3:36**
